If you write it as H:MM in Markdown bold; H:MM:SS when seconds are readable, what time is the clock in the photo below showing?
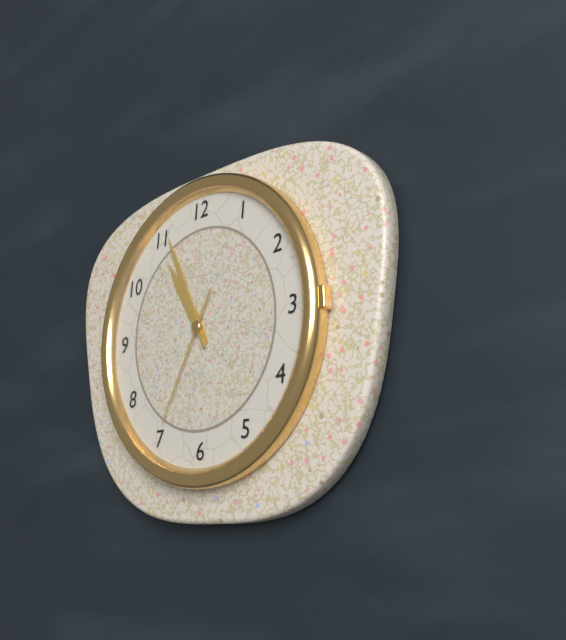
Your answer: **10:56:35**
